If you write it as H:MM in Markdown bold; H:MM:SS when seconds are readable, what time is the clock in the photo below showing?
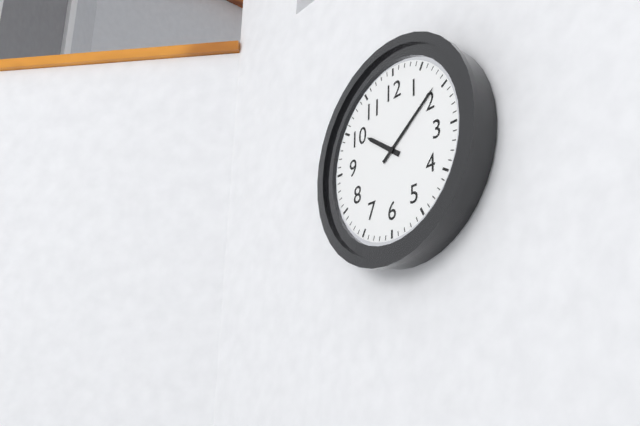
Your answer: **10:09**
